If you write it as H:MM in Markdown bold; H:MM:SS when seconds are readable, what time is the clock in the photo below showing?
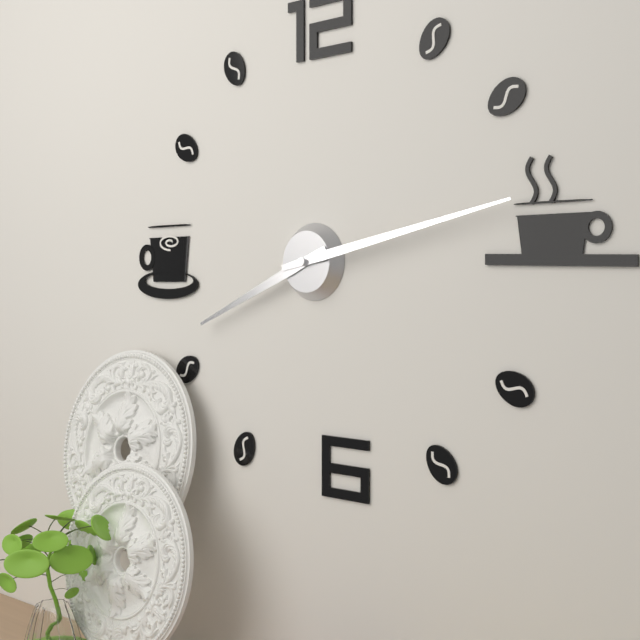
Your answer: **8:13**
